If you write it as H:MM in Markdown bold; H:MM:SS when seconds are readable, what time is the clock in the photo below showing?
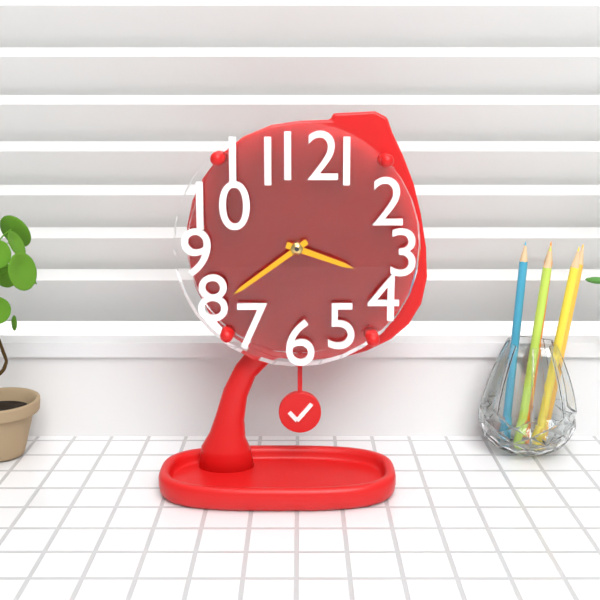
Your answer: **3:39**
